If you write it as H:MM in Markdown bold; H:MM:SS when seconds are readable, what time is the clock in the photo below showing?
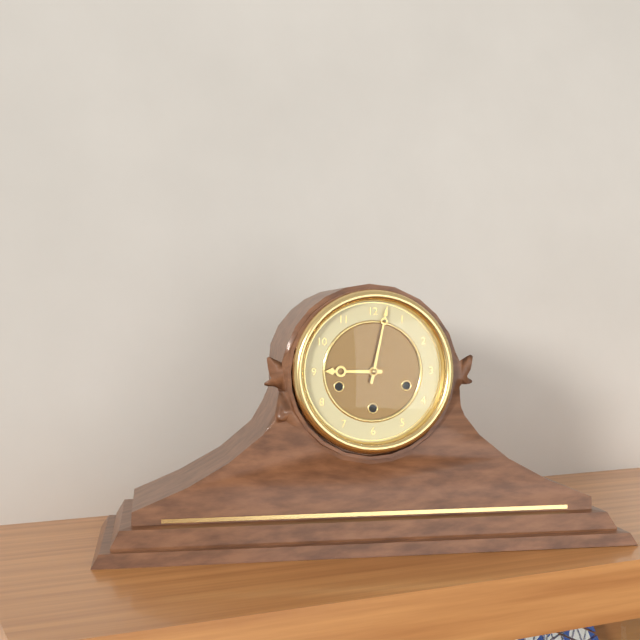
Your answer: **9:02**
